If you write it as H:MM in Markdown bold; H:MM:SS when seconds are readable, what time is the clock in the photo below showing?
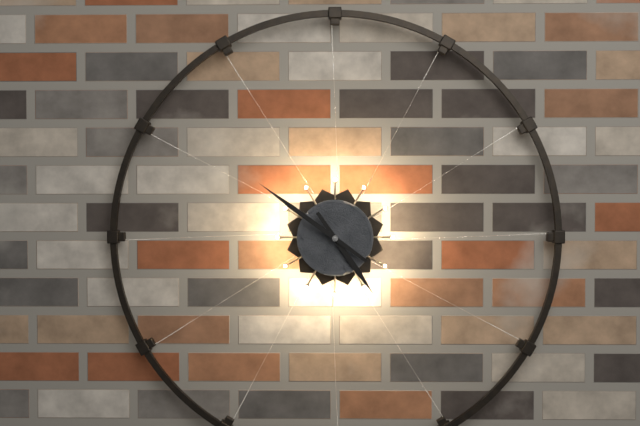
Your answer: **4:51**
